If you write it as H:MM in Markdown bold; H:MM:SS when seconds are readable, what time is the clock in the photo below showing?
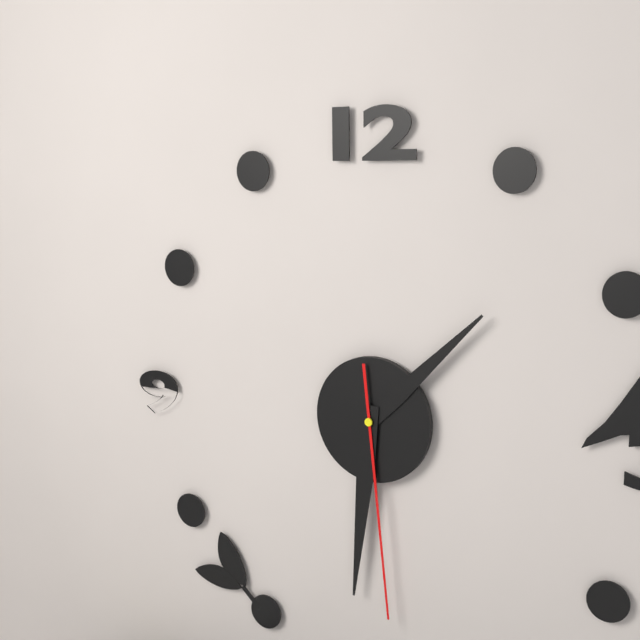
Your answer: **1:31:29**
